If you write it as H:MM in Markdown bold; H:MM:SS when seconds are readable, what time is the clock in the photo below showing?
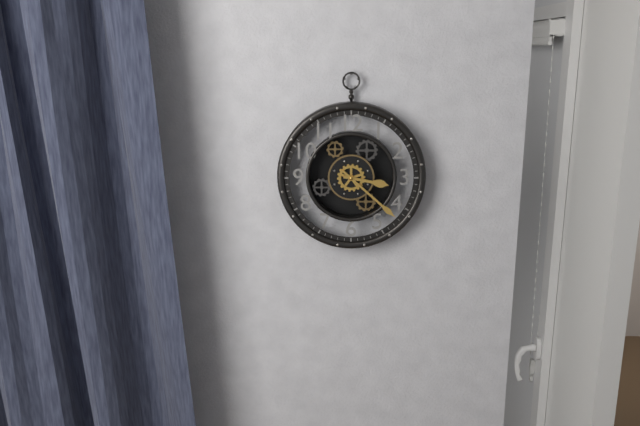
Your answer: **3:22**
